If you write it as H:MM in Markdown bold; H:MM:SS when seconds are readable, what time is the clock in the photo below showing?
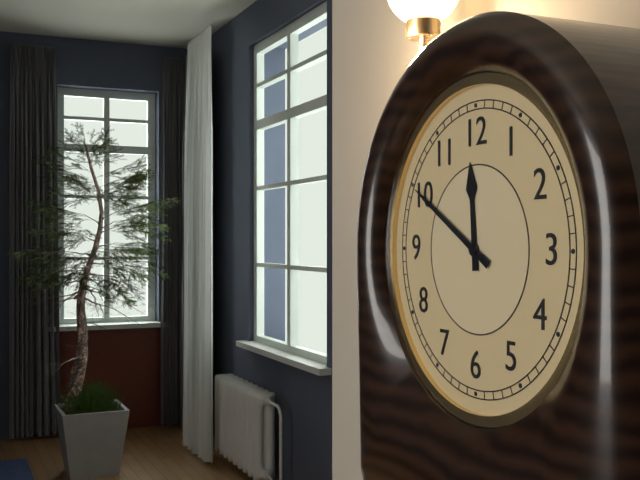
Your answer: **11:50**
